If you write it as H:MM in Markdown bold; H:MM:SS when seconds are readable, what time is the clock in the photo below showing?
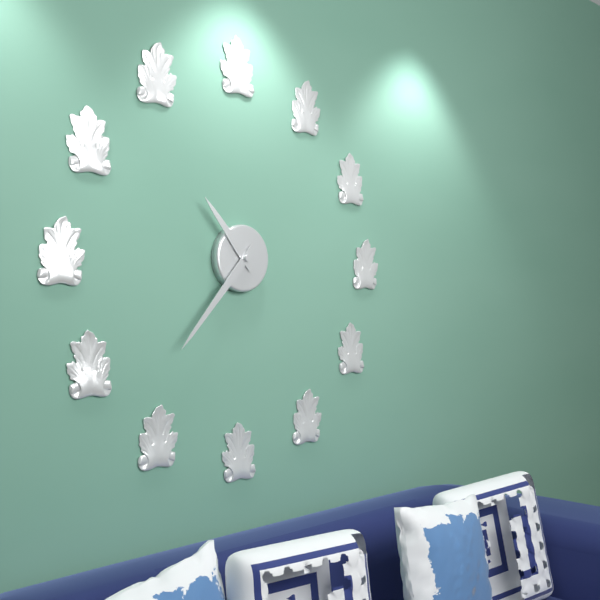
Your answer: **10:37**
